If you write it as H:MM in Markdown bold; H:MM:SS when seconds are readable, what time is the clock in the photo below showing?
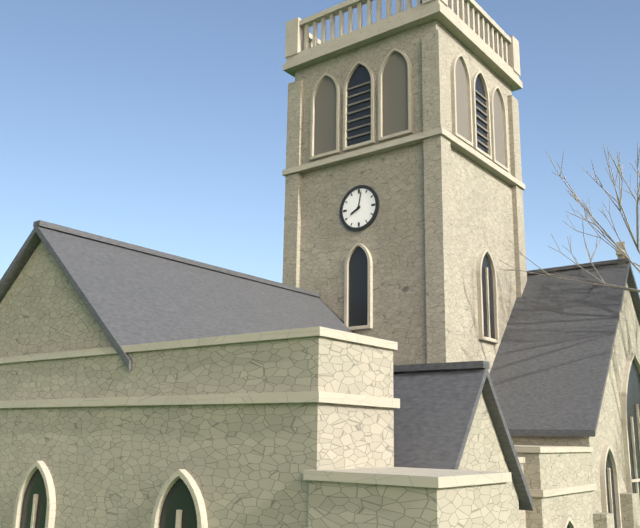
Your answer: **8:02**
